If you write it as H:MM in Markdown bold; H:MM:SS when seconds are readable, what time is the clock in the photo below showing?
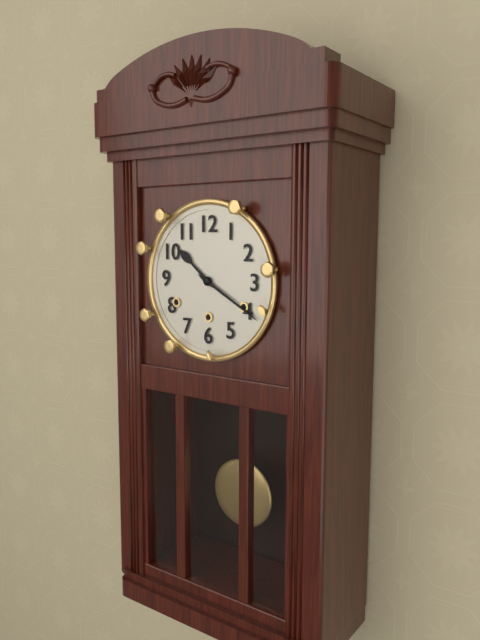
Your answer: **10:20**
